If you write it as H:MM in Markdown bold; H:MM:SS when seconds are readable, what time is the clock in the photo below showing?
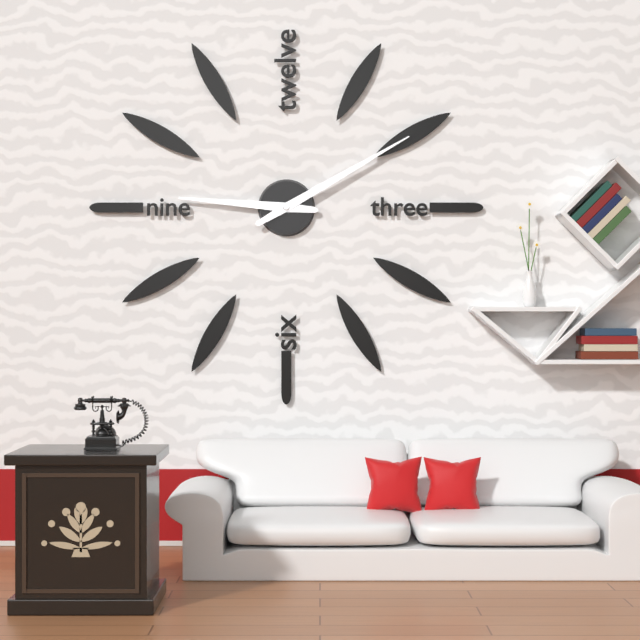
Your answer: **9:10**
